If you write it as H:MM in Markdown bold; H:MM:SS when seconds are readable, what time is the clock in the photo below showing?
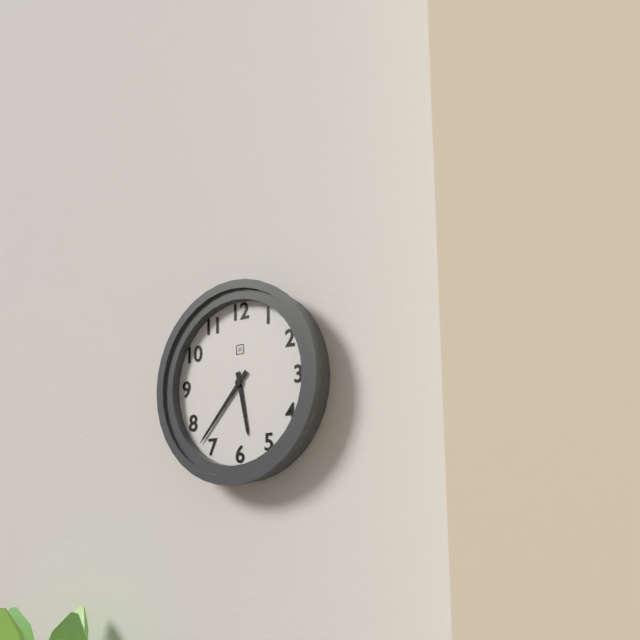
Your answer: **5:37**
